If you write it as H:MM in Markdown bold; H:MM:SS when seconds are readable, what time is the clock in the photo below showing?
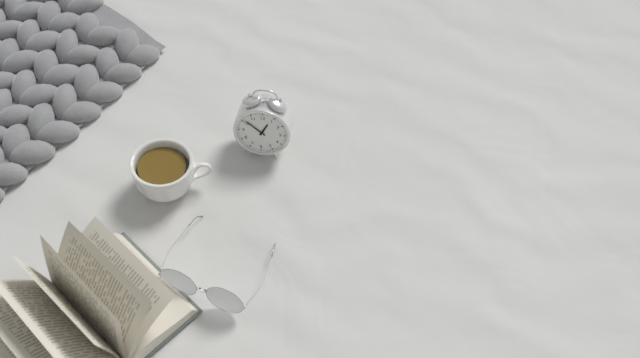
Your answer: **12:51**
